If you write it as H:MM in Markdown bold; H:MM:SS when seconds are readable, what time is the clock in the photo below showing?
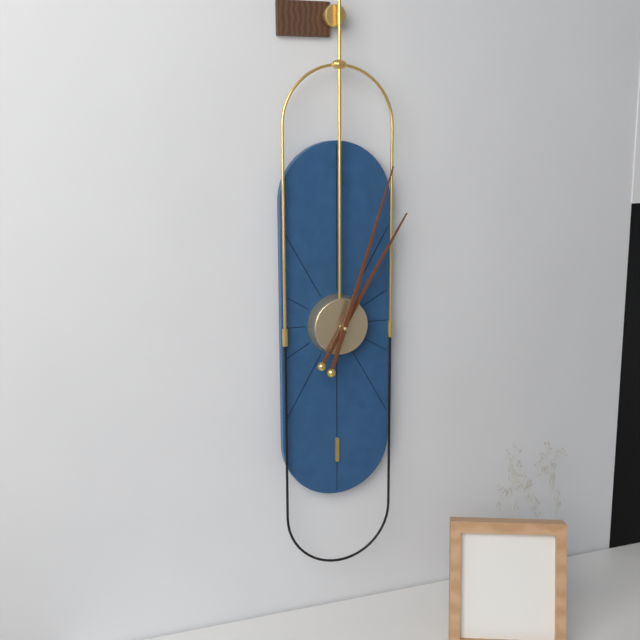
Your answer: **1:03**
